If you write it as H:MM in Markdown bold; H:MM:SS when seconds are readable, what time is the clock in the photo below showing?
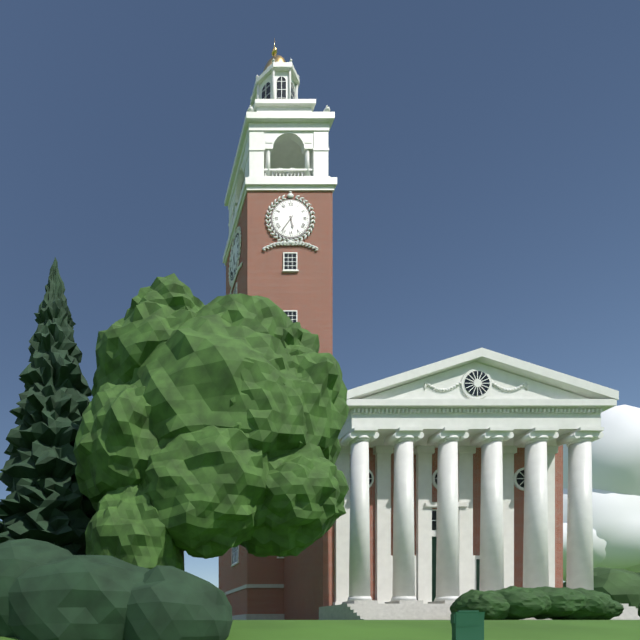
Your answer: **5:36**
